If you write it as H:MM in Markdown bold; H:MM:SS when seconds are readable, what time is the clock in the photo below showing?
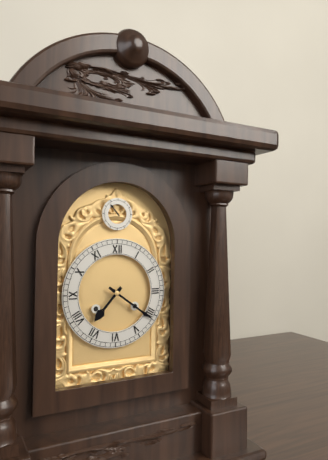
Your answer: **7:21**
